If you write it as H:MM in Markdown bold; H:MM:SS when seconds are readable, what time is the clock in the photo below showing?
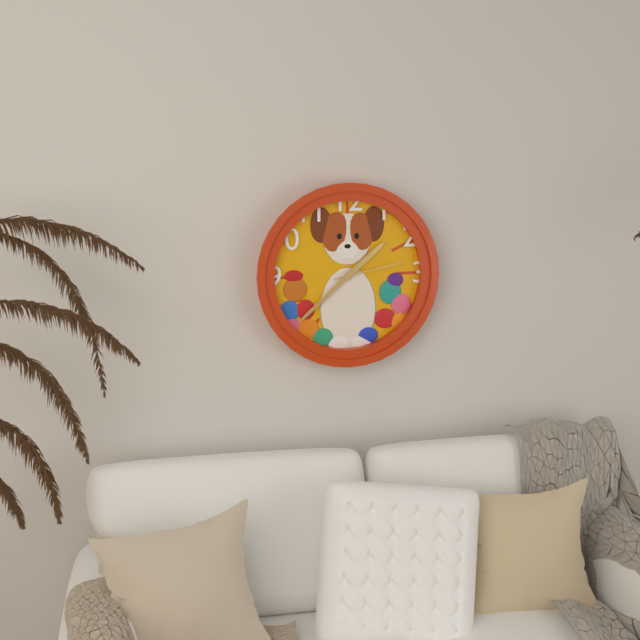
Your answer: **1:38:13**
